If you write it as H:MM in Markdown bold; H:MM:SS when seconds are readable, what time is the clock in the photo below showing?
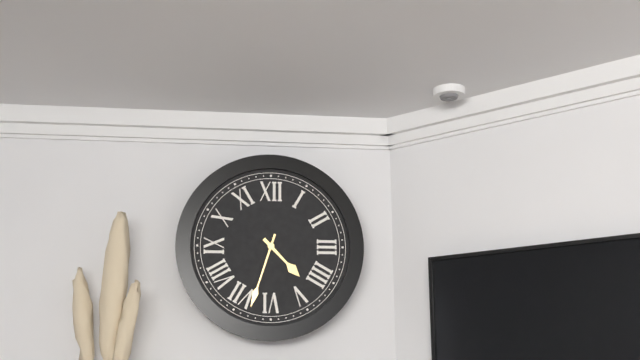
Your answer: **4:33**
